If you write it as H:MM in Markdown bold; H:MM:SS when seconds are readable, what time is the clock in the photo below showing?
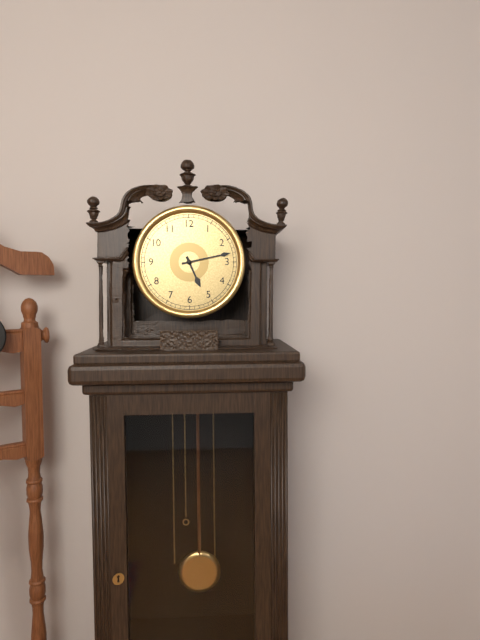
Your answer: **5:13**
